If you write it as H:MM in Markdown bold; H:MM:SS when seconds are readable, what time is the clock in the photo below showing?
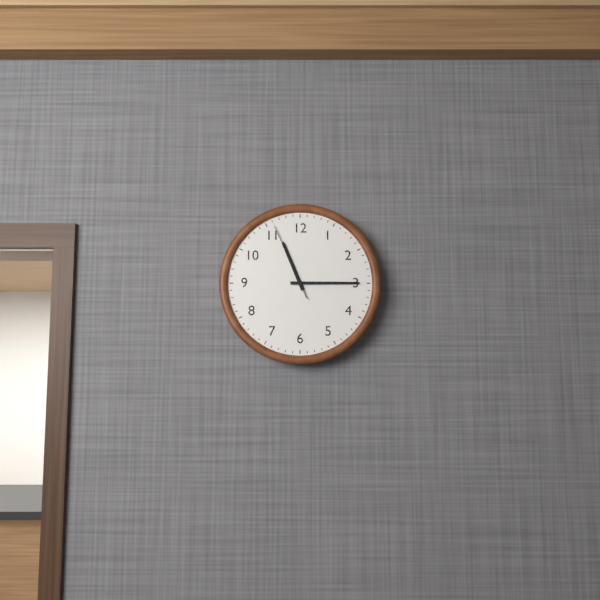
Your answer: **11:15:56**
